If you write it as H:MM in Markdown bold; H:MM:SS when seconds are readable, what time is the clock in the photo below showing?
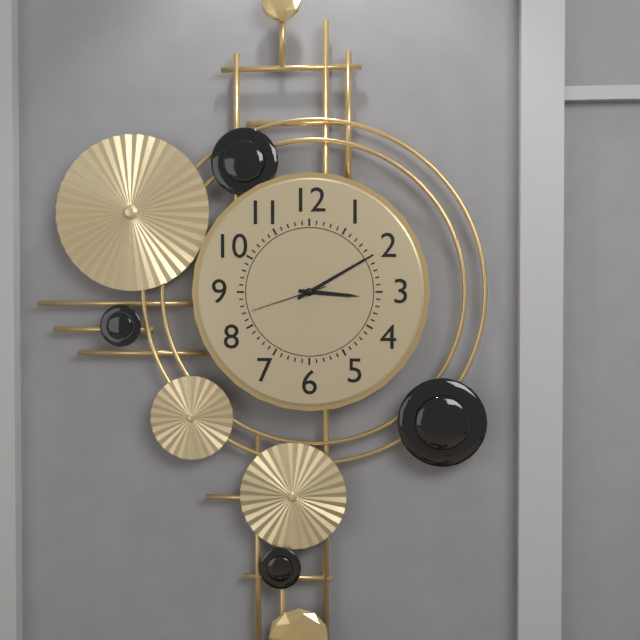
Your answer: **3:10:42**
